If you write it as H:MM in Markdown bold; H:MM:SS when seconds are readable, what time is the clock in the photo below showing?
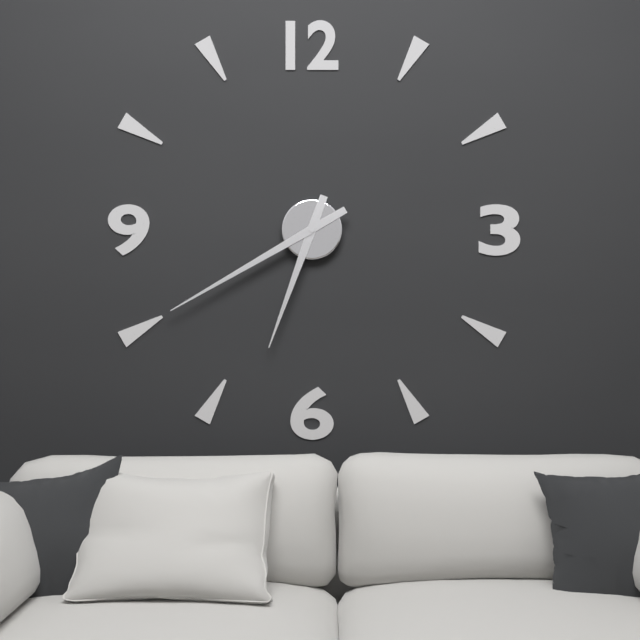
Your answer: **6:40**
